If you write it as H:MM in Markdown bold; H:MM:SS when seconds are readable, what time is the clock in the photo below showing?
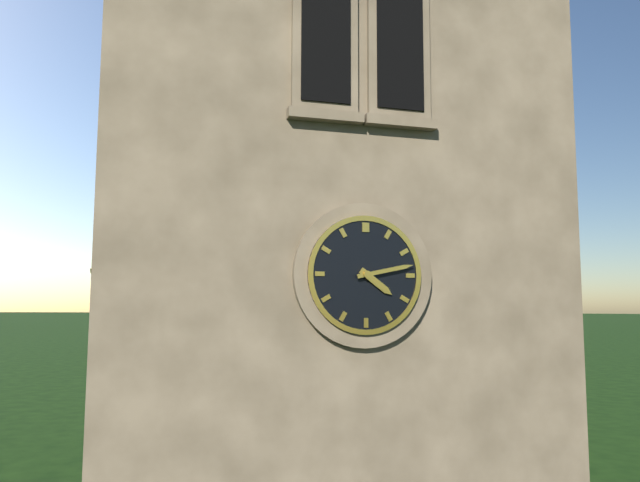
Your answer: **4:13**
